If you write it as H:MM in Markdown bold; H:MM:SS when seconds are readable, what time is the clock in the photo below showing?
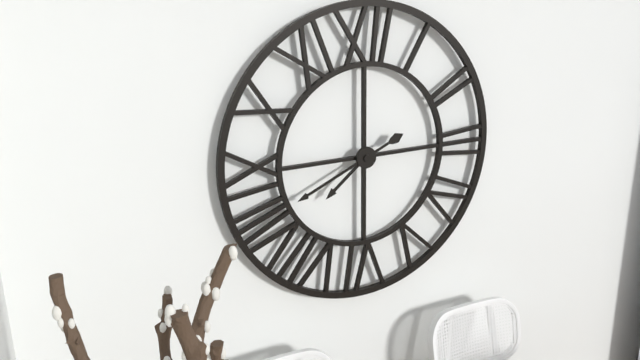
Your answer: **7:41**
